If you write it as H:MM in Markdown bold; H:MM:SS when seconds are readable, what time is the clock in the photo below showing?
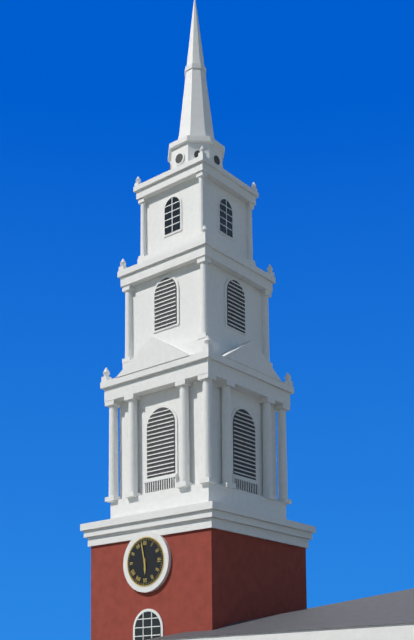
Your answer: **5:58**
